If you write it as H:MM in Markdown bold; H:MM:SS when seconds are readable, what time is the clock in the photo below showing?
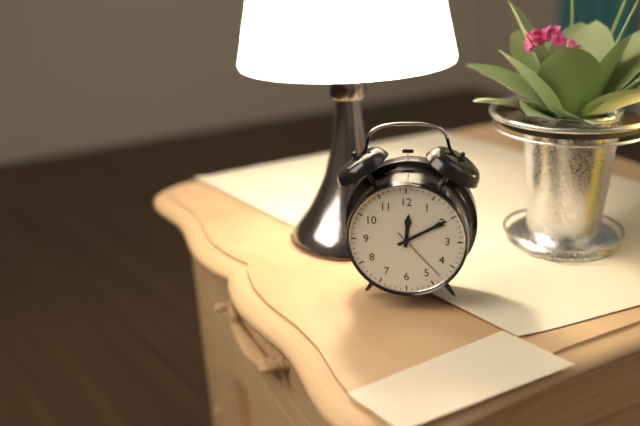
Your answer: **12:10:23**
